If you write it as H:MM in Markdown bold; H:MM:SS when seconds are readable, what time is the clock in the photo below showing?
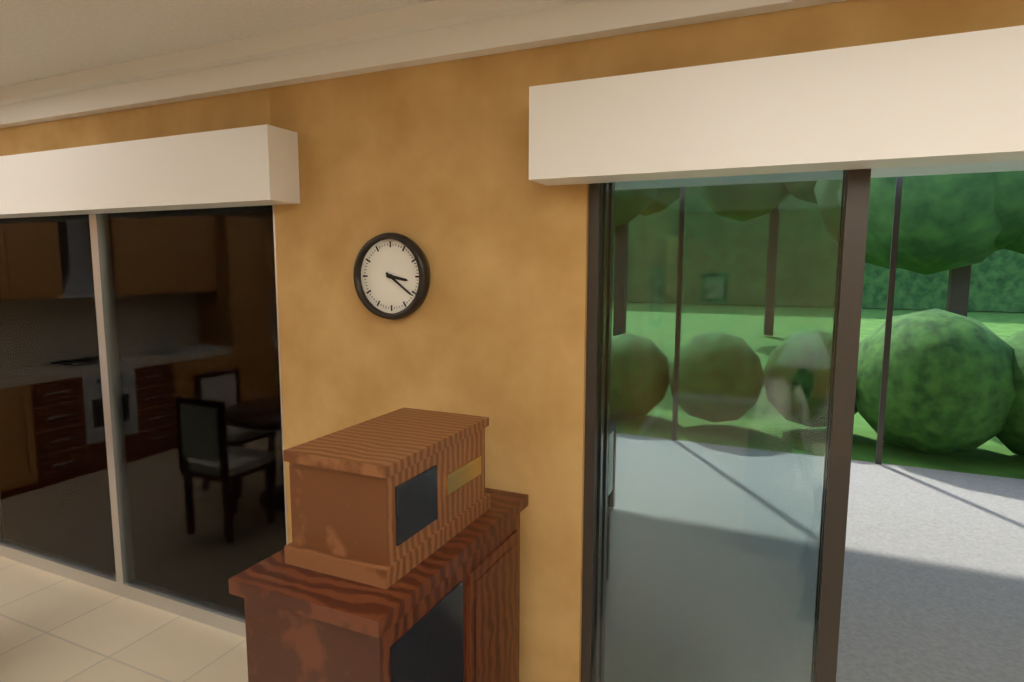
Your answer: **3:21**
